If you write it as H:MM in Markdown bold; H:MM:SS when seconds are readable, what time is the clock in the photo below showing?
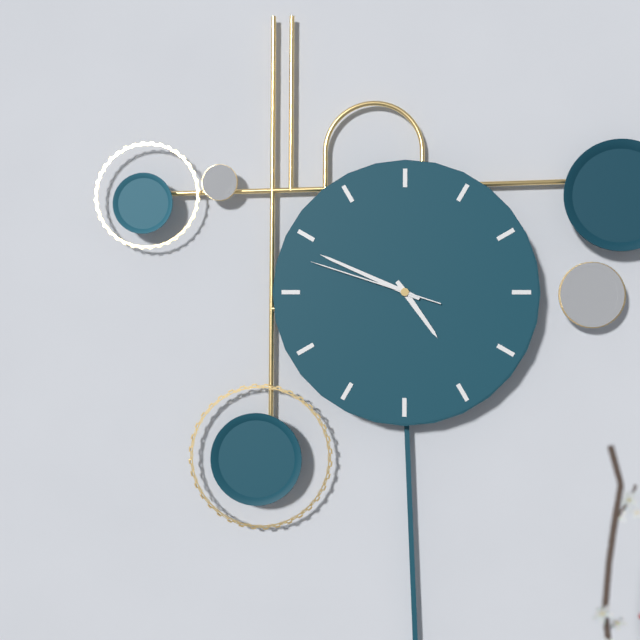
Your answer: **4:49:48**
